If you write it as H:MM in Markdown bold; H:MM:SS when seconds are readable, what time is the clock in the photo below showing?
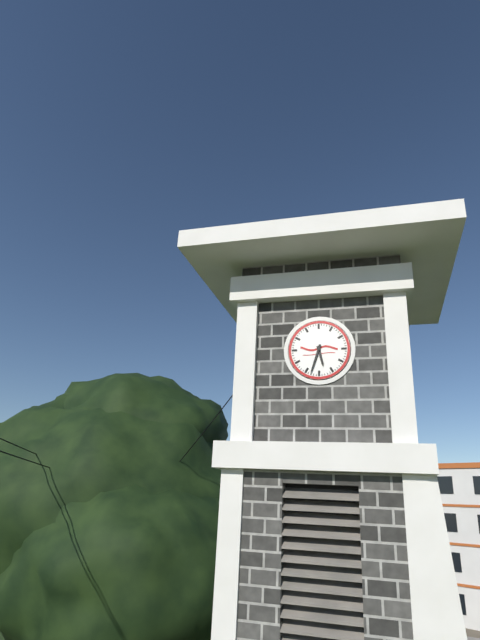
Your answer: **5:33**
